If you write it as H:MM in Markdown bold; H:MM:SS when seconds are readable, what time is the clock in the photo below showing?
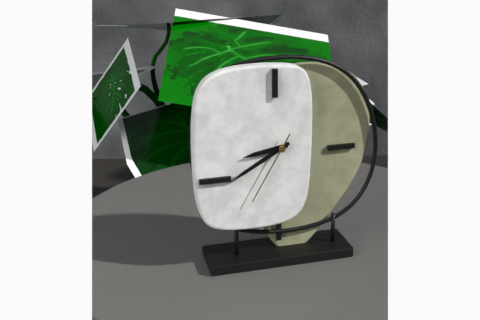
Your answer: **8:40:35**
